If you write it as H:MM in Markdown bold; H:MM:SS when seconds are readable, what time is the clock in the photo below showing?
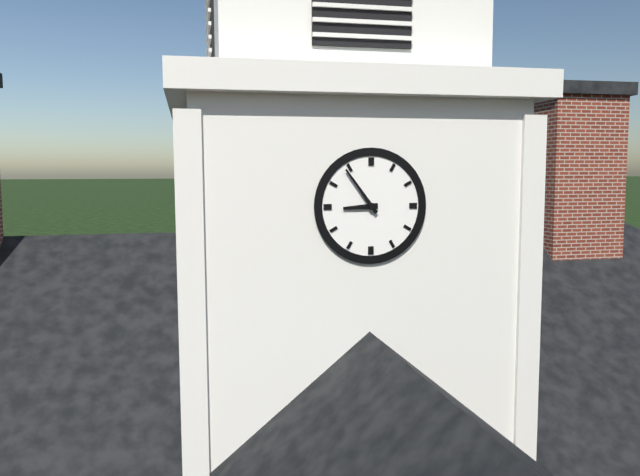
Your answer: **8:54**
